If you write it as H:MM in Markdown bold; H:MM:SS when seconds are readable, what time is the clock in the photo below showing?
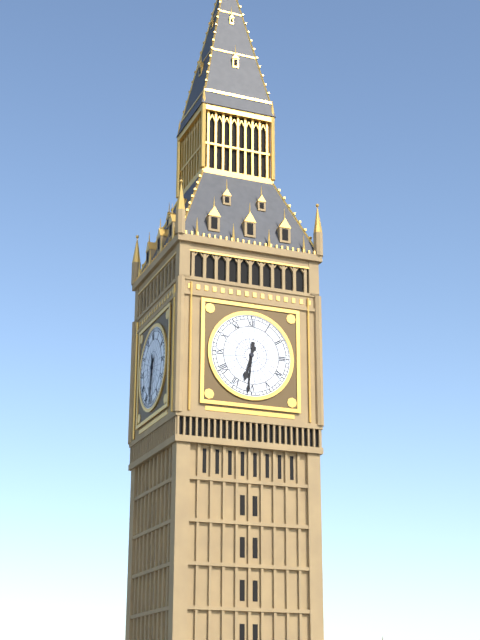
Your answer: **6:31**
